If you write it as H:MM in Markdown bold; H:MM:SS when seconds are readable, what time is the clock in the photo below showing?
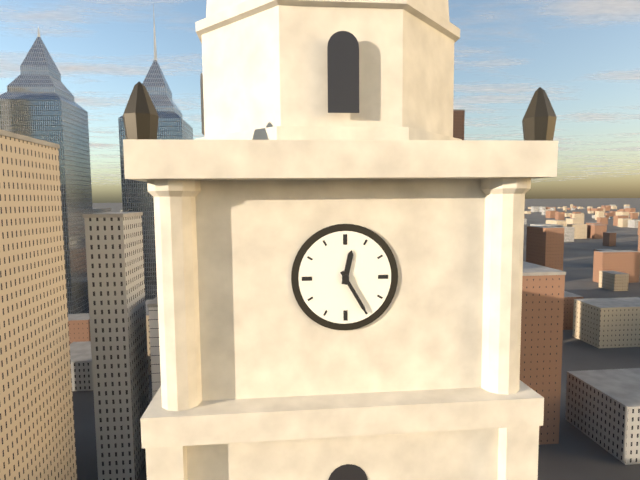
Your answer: **12:25**
